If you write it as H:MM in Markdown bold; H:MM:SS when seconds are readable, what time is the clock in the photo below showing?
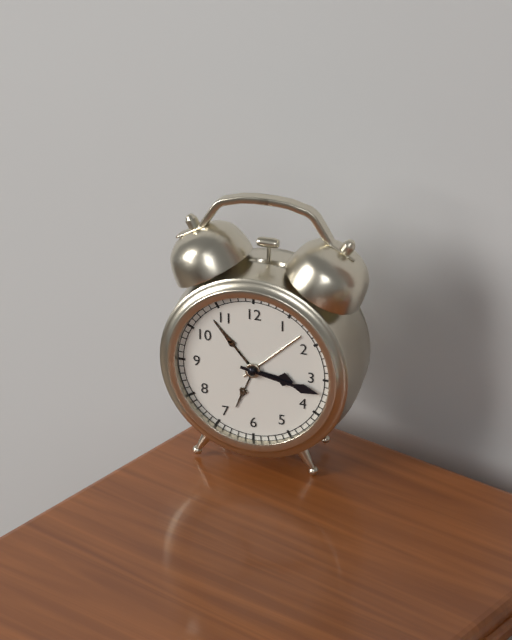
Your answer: **3:17**
